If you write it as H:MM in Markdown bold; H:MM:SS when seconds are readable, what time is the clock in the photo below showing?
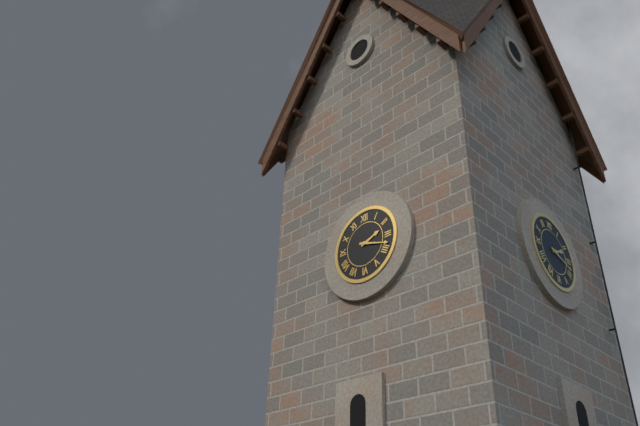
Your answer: **2:18**
